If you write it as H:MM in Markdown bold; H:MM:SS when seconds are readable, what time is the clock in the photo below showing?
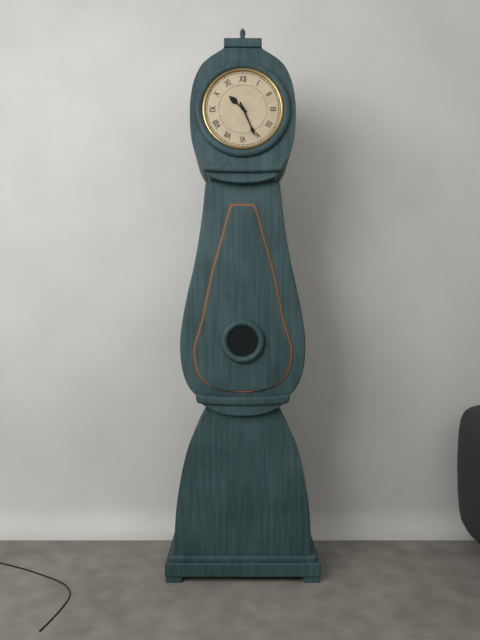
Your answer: **10:26**
